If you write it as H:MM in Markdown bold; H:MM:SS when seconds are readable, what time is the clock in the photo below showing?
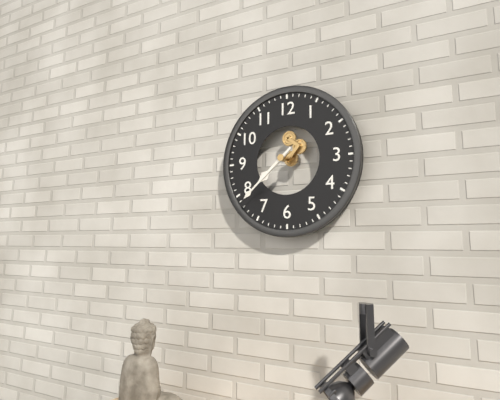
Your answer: **7:38**
